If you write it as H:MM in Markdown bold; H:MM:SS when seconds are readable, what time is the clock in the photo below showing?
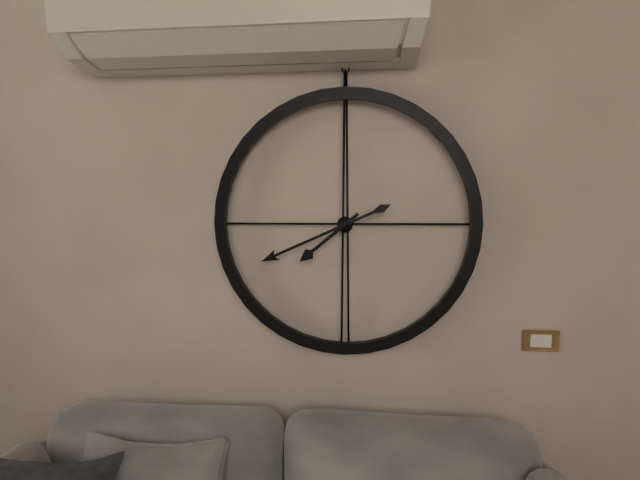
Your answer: **7:41**
